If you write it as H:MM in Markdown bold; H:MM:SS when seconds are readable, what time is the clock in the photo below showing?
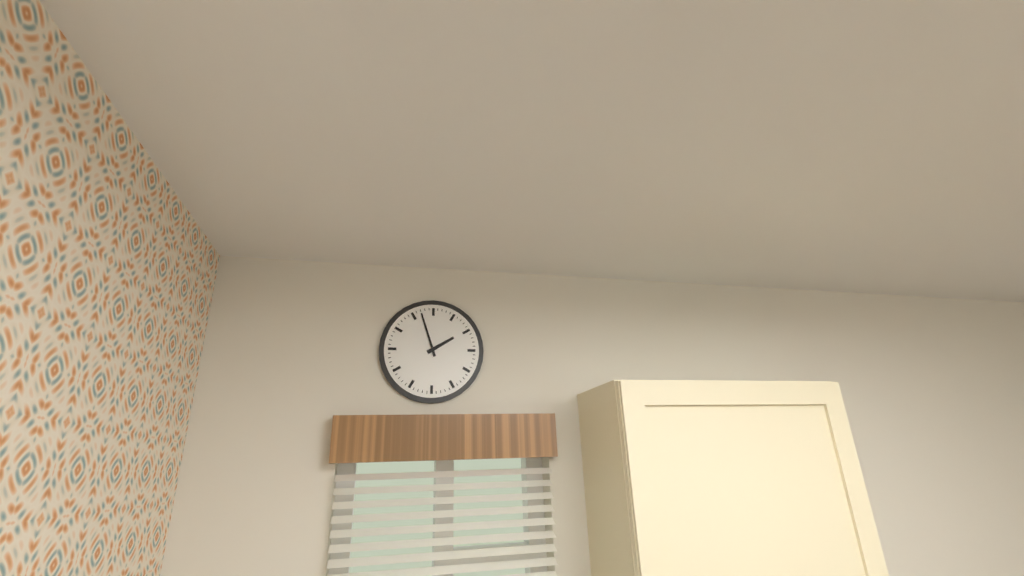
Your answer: **1:57**
